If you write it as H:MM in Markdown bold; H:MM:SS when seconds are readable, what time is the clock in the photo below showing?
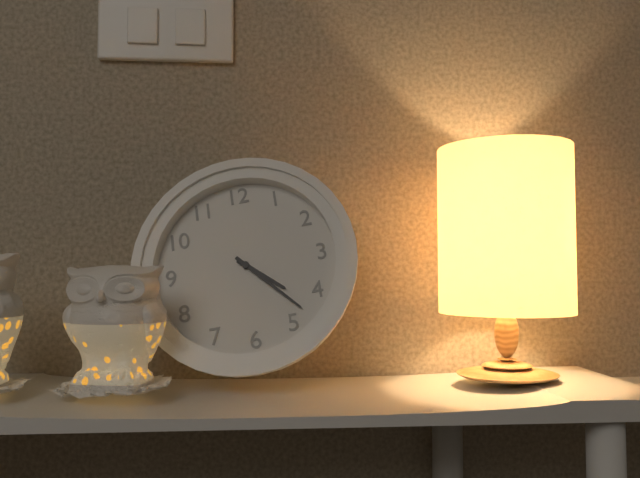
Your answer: **4:23**
